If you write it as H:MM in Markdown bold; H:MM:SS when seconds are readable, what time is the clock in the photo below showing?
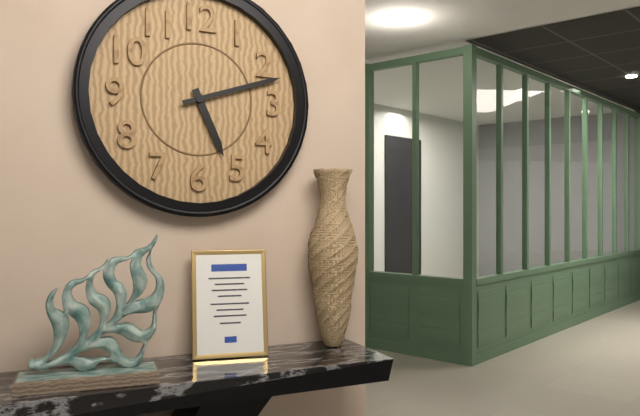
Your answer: **5:12**
